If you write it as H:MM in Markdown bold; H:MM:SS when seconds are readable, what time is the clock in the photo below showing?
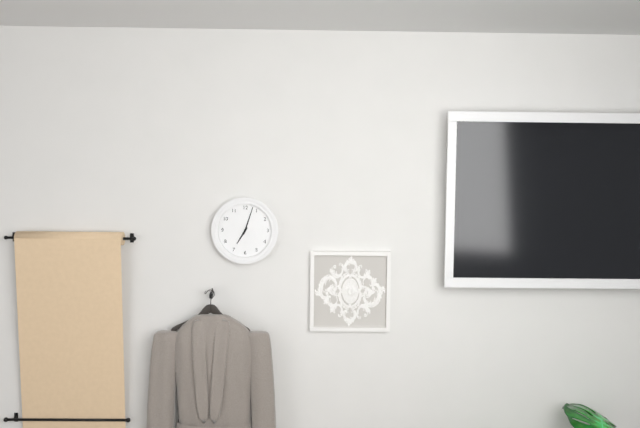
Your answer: **7:03**
